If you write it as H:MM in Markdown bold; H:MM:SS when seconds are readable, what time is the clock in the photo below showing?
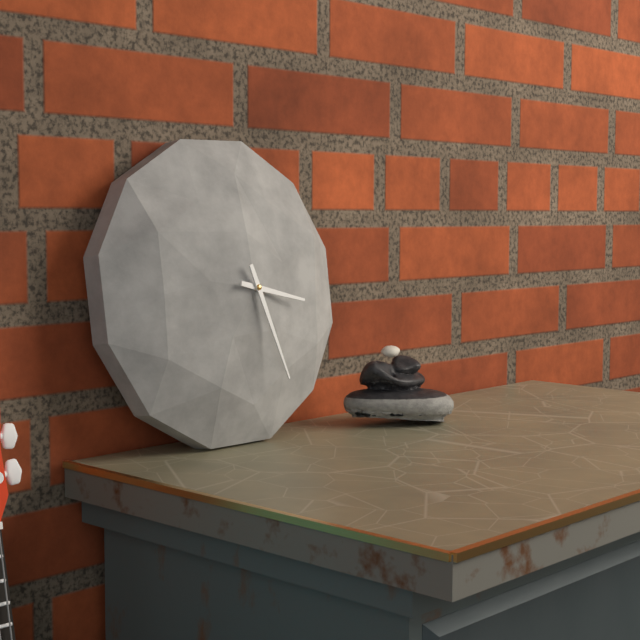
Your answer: **3:27**
